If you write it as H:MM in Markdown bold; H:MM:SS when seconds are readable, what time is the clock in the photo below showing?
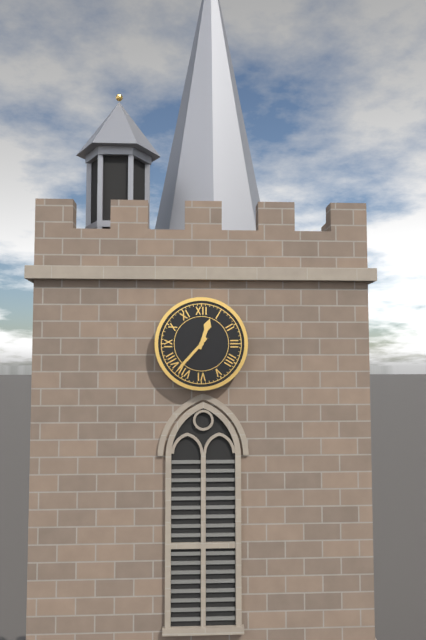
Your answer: **12:37**
